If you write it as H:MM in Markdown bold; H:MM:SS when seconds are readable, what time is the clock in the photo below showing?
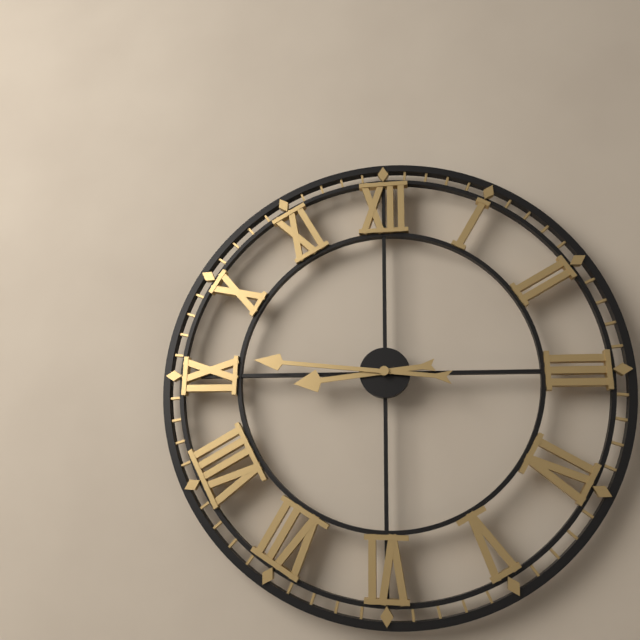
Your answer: **8:46**
